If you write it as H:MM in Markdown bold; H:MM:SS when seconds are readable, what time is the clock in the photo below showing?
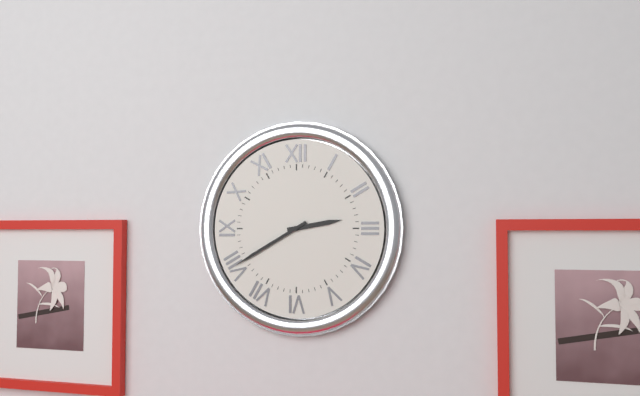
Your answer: **2:40**
